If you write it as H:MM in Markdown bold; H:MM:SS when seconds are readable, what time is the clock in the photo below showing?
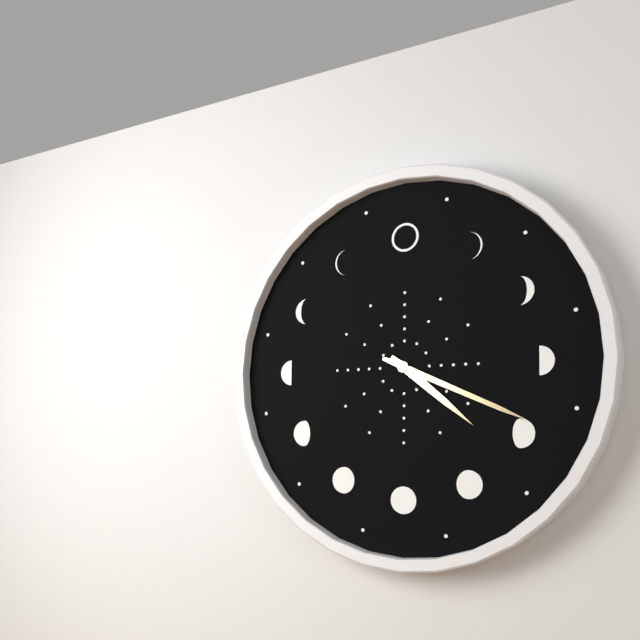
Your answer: **4:19**
